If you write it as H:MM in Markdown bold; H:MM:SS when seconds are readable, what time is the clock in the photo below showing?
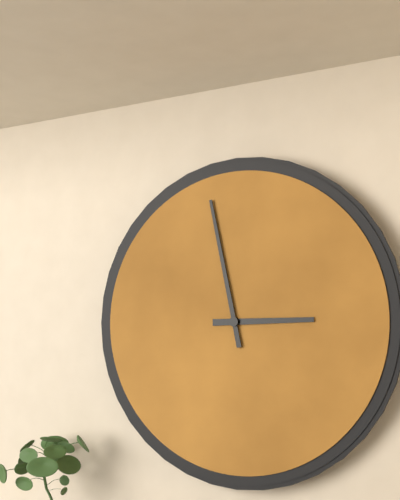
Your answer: **2:58**
